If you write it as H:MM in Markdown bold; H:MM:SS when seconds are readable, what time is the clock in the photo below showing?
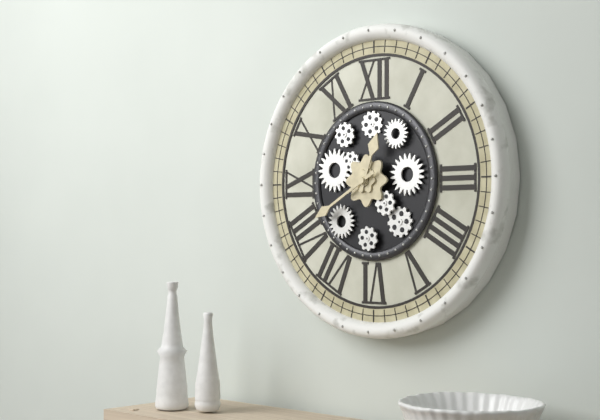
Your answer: **12:40**
